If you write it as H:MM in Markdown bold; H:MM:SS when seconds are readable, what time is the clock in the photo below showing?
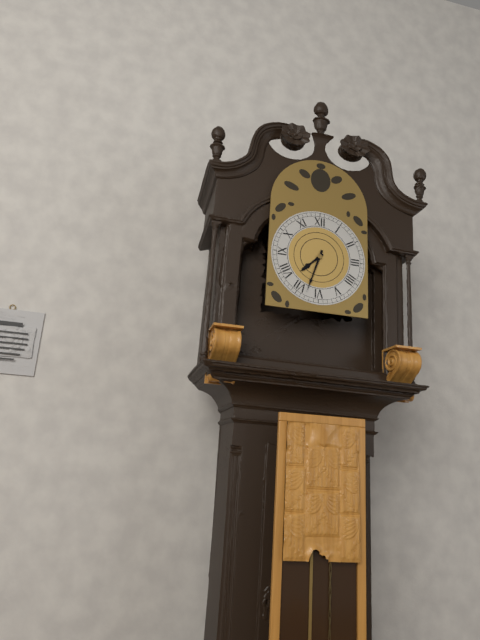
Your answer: **7:33**
